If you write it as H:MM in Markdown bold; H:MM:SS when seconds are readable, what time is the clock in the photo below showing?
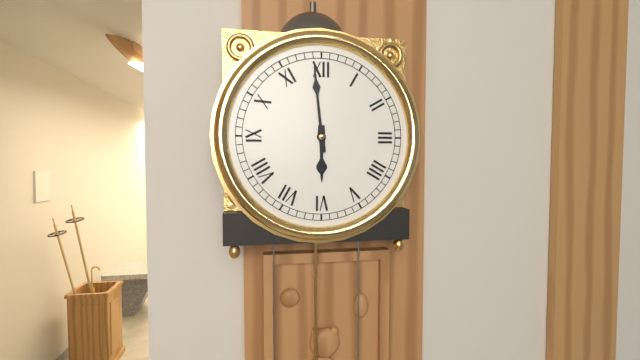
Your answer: **5:59**
